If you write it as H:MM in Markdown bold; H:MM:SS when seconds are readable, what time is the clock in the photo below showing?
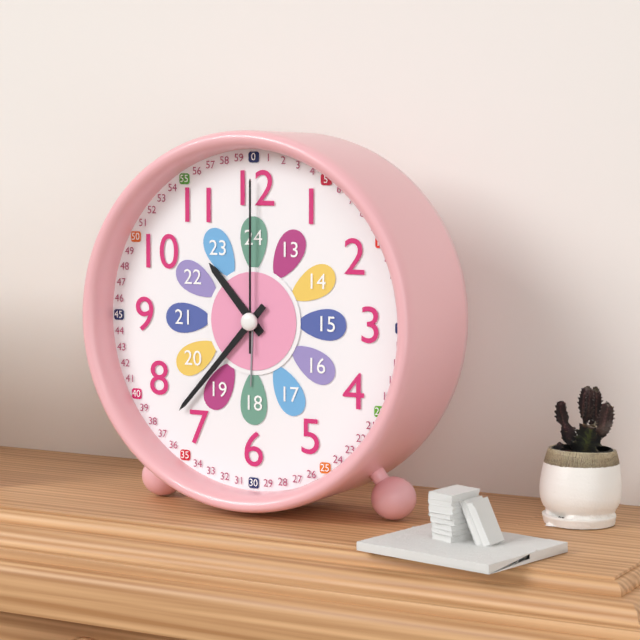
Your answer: **10:37:00**
